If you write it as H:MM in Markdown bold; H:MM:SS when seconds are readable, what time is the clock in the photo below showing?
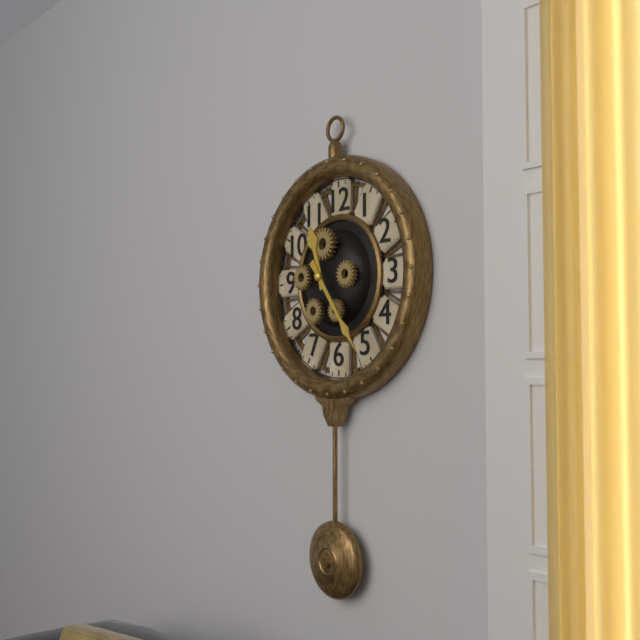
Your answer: **11:24**
